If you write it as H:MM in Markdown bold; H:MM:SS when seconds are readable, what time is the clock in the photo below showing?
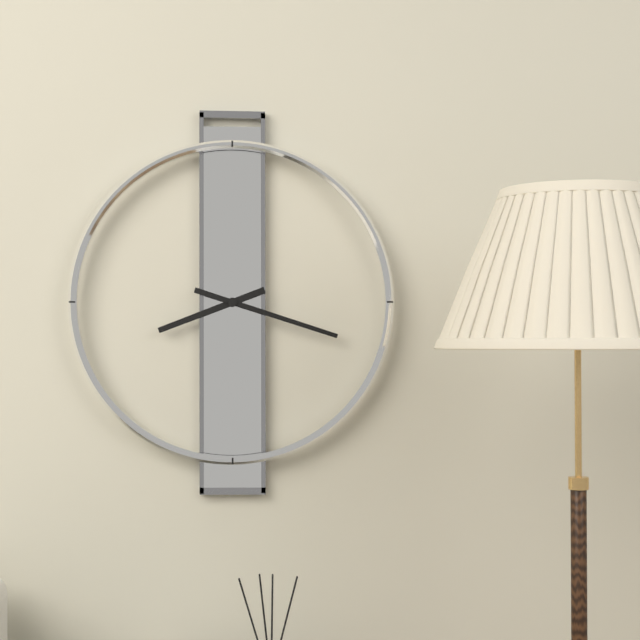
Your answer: **8:18**
